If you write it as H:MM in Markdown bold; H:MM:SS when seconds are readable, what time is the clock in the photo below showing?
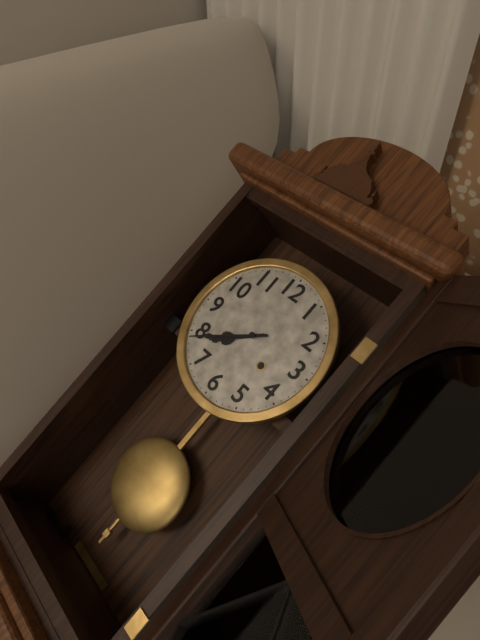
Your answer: **7:39**
